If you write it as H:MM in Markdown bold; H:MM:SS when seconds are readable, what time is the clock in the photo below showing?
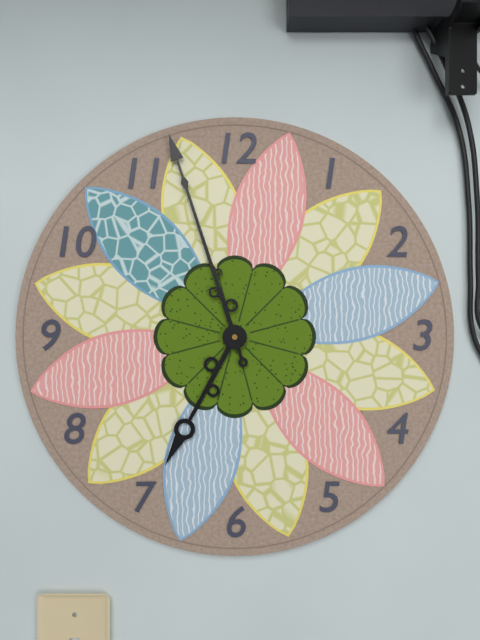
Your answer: **6:57**
